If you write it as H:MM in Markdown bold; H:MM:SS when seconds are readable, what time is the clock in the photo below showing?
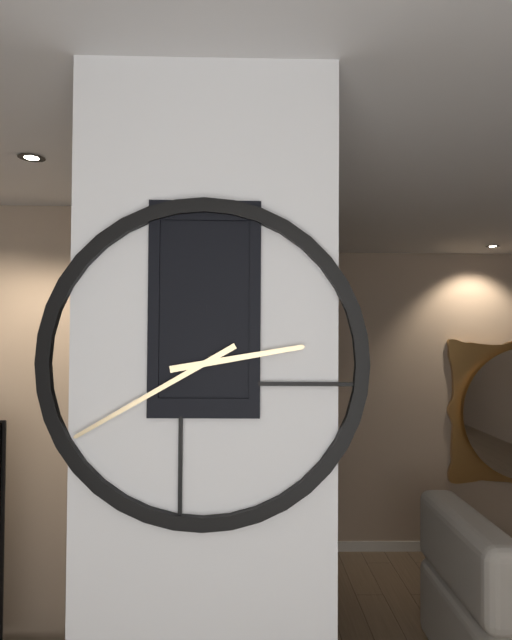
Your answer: **2:40**
